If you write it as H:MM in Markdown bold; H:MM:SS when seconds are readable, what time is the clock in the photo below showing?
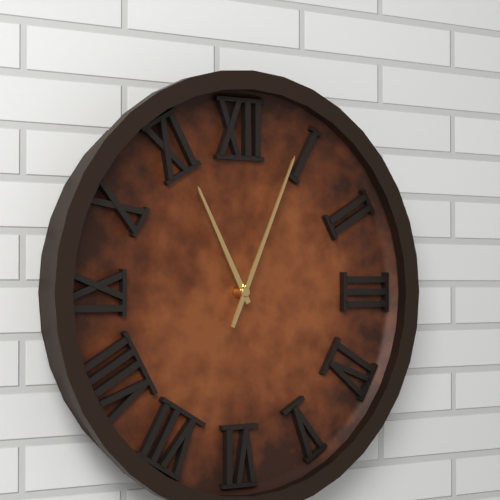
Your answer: **11:04**
